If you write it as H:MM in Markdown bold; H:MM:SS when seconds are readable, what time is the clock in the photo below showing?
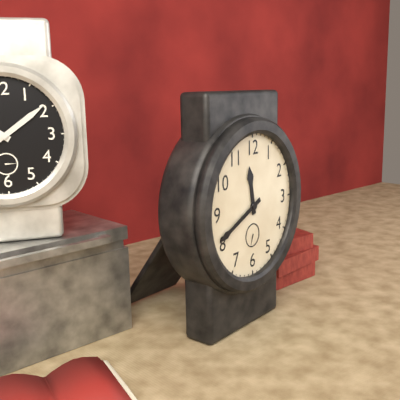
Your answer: **11:41**
